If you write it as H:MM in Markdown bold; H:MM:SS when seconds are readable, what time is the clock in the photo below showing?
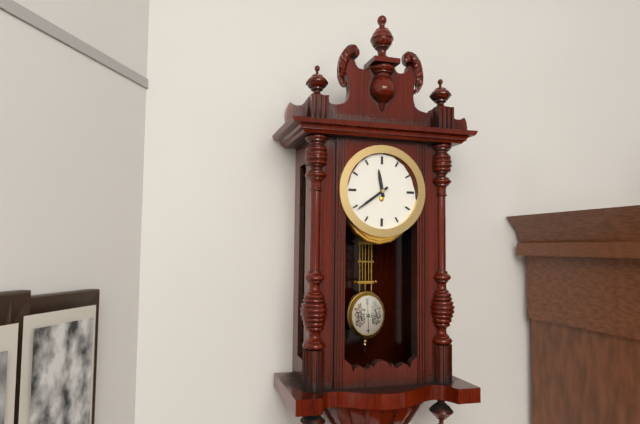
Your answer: **11:39**
